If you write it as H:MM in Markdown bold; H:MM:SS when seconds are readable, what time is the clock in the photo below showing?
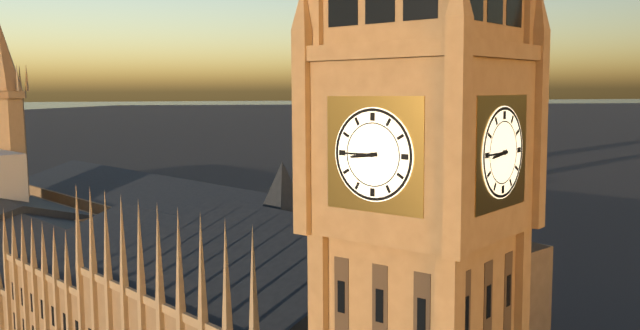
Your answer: **8:45**
